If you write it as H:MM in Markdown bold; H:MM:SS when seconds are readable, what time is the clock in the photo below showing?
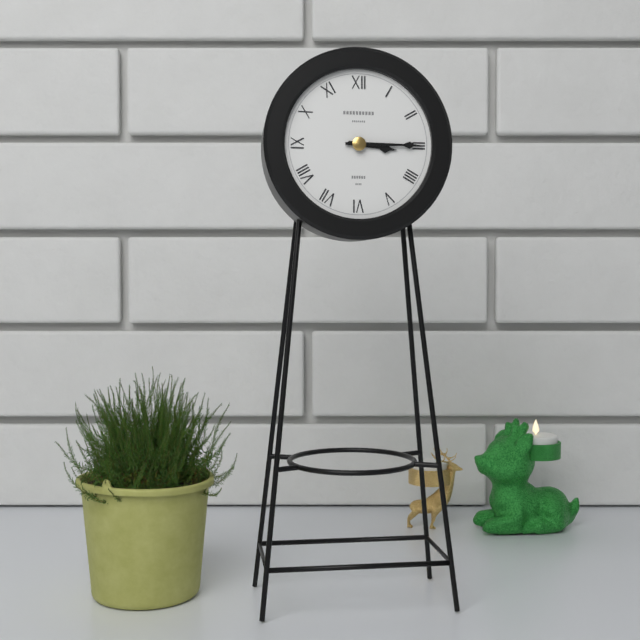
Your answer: **3:15**
